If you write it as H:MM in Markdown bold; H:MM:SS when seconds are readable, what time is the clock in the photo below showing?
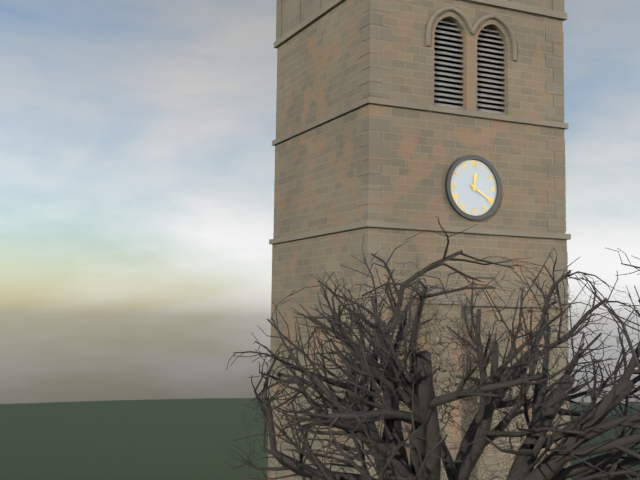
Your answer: **12:20**
